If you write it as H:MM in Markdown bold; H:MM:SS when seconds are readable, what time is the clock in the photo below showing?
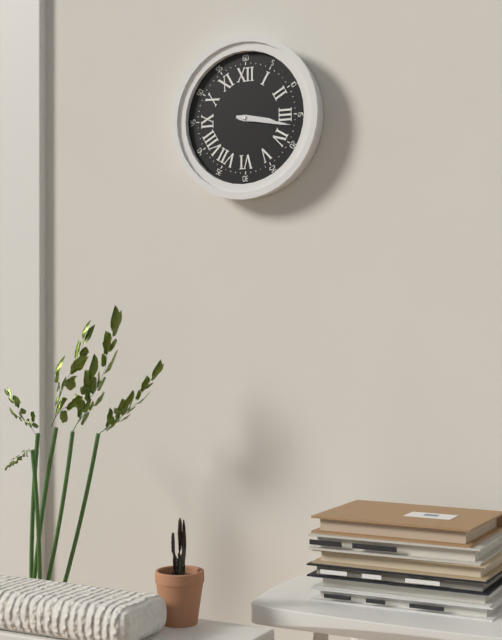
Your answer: **3:17**
